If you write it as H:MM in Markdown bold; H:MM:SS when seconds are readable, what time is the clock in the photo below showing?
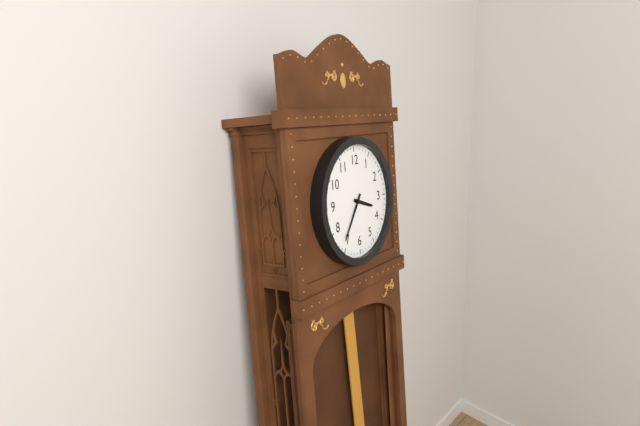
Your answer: **3:36**
